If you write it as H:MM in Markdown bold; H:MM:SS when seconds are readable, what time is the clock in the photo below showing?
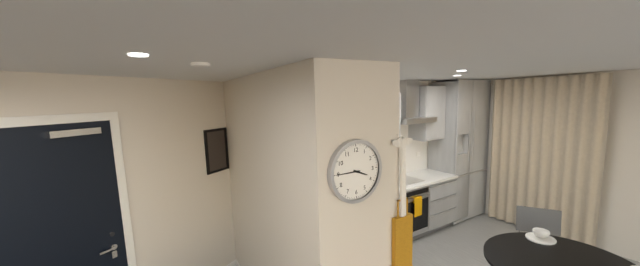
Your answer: **3:45**
